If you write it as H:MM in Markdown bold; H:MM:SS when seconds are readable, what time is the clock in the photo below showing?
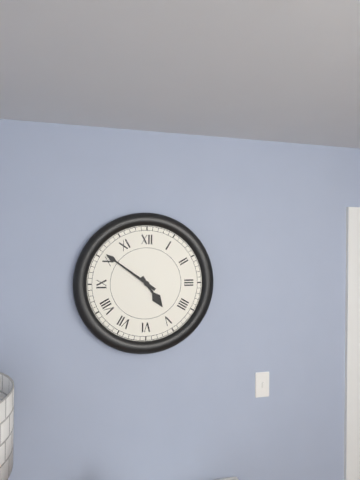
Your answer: **4:51**
